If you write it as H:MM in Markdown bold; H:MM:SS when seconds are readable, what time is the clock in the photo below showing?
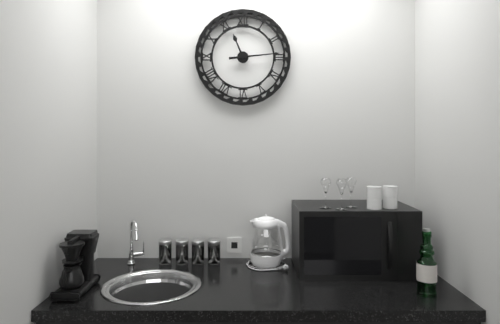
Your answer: **11:14**
